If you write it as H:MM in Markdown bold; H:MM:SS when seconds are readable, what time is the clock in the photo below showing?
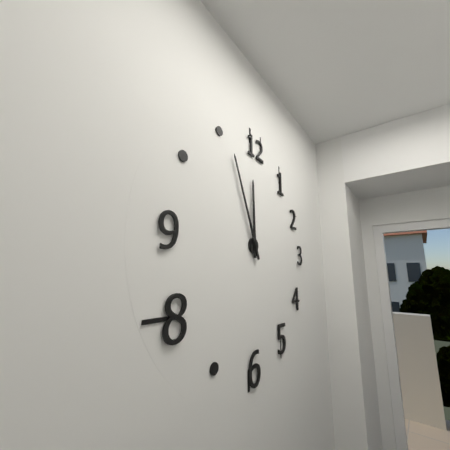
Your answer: **11:56**
